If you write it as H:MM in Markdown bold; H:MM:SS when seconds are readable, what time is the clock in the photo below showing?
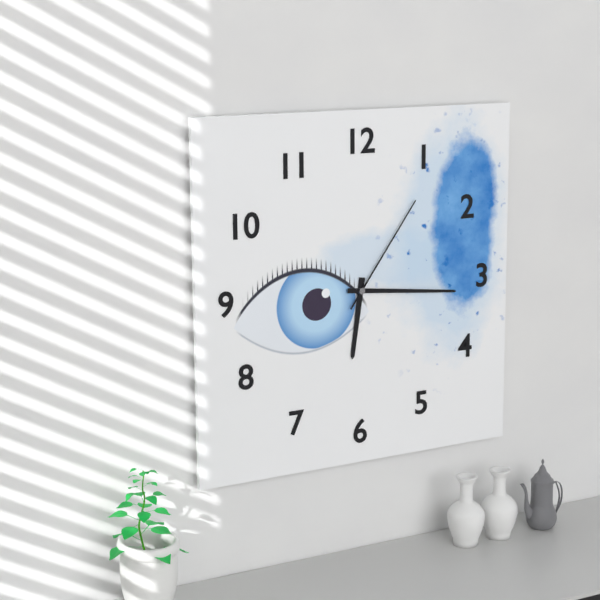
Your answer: **6:16:06**
